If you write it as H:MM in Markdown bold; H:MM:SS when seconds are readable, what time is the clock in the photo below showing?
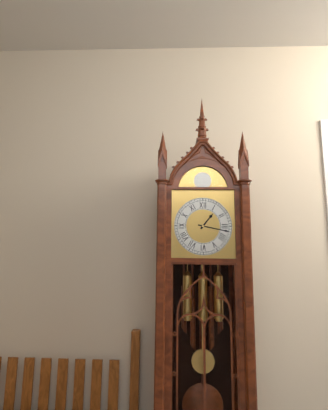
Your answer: **1:17**
